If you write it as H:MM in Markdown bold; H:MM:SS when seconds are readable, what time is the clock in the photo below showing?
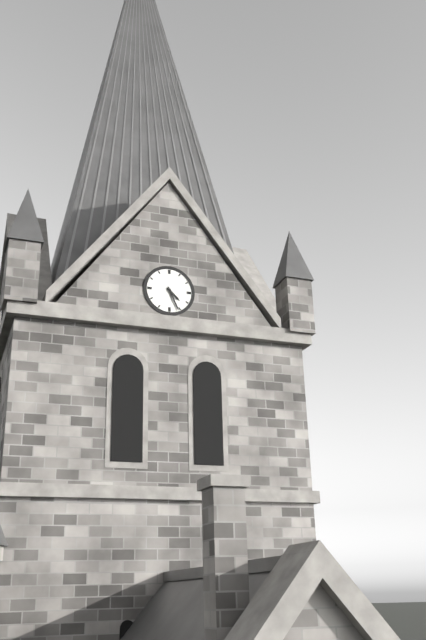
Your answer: **4:26**
